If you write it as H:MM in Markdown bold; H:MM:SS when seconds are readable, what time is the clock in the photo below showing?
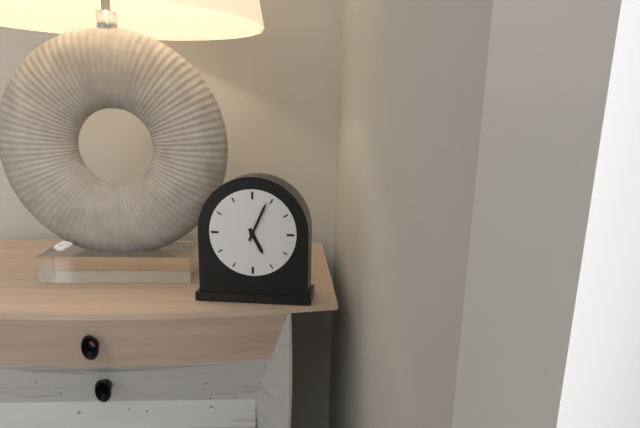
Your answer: **5:04**
